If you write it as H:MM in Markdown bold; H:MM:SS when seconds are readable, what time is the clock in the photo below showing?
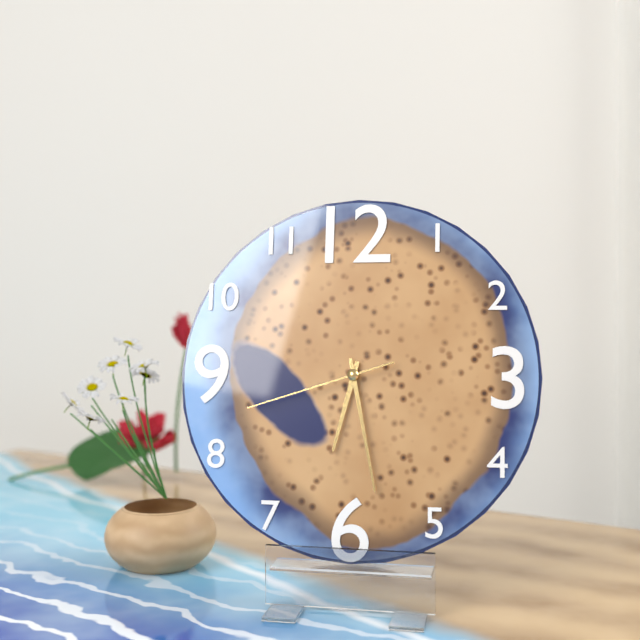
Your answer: **6:28:42**
